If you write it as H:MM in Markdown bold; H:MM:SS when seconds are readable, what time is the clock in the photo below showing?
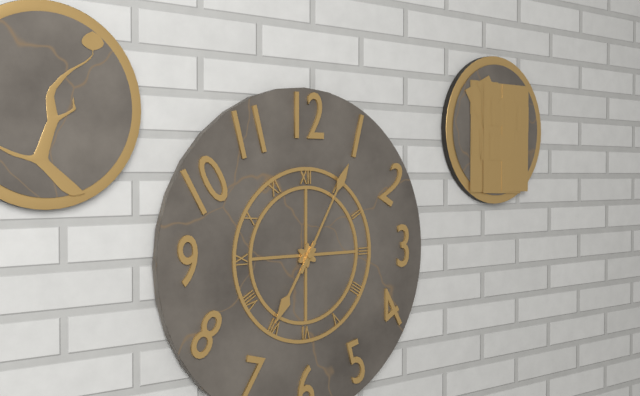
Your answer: **7:05**
